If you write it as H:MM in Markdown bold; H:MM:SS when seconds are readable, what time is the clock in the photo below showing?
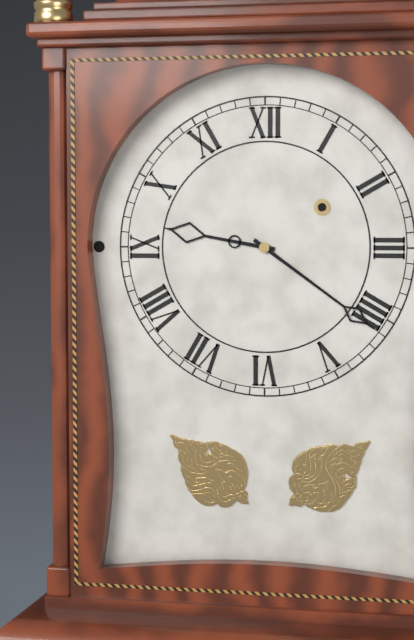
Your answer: **9:21**
